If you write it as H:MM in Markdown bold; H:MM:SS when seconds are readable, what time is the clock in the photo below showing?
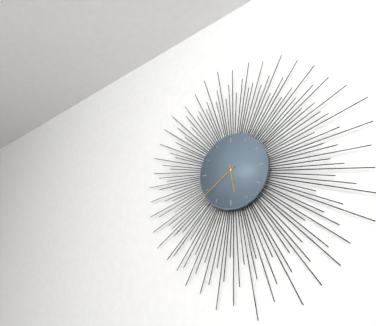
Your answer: **5:39**
